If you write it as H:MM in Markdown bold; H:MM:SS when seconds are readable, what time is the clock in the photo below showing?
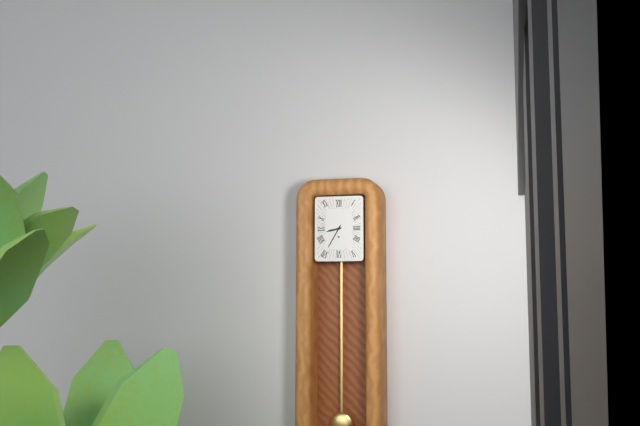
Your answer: **8:35**
